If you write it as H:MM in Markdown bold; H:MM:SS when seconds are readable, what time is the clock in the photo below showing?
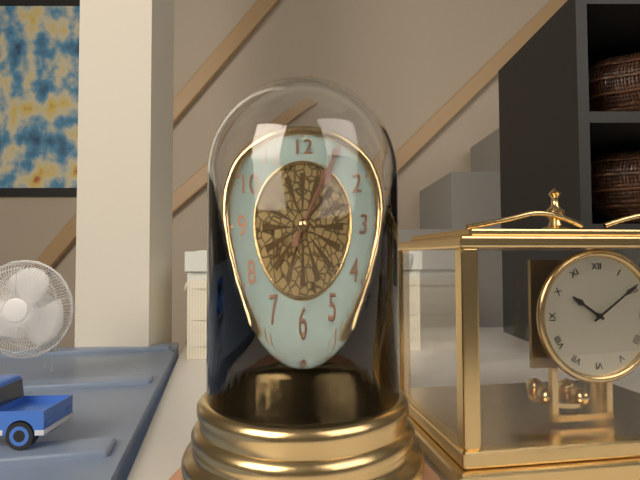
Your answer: **1:05**
